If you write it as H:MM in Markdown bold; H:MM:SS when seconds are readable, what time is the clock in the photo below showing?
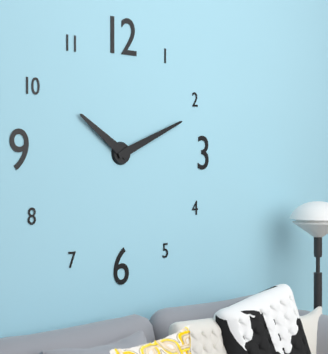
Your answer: **10:11**
